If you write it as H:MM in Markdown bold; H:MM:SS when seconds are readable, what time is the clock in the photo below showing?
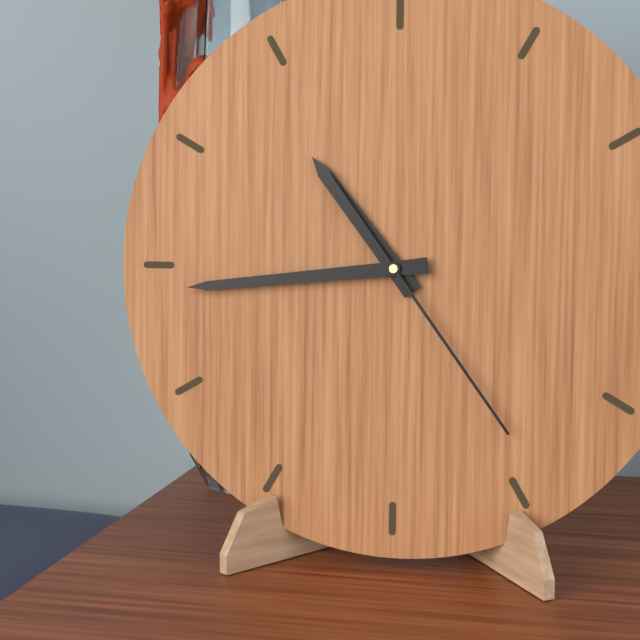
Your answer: **10:44:24**
